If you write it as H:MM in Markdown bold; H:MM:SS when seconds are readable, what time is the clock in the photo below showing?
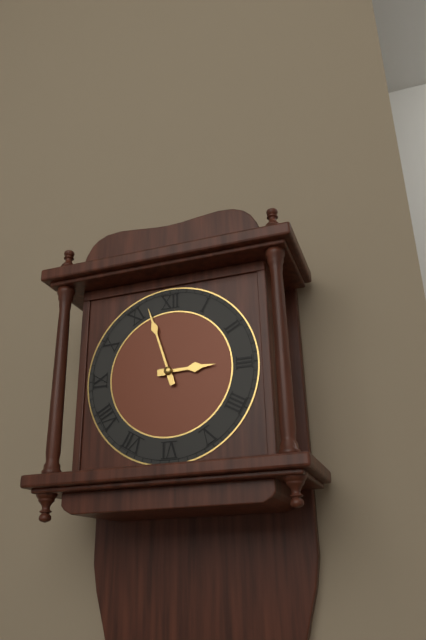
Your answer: **2:57**
